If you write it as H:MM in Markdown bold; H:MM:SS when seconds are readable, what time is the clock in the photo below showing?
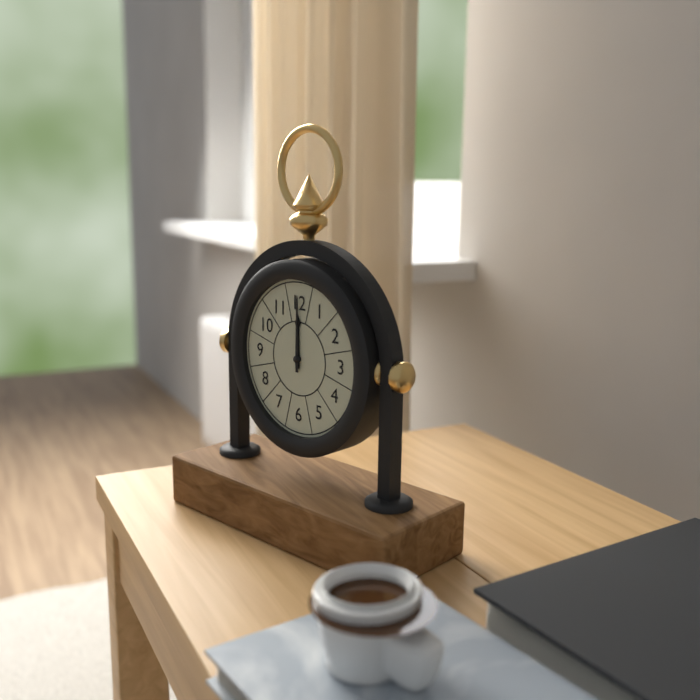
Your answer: **12:00**
